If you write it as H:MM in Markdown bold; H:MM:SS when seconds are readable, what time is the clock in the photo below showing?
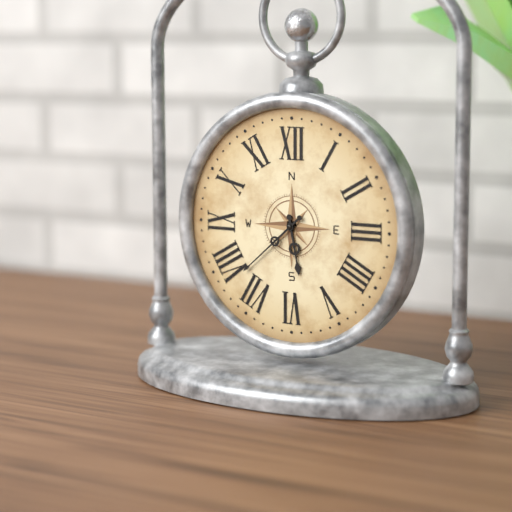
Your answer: **5:38**
